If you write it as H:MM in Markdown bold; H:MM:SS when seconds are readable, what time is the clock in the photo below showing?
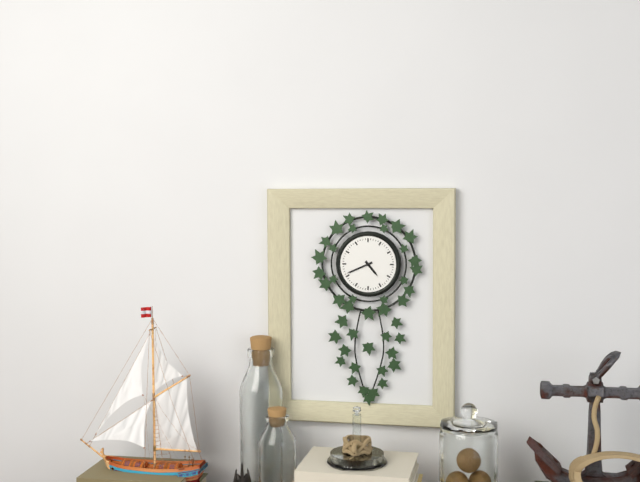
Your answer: **4:41**
